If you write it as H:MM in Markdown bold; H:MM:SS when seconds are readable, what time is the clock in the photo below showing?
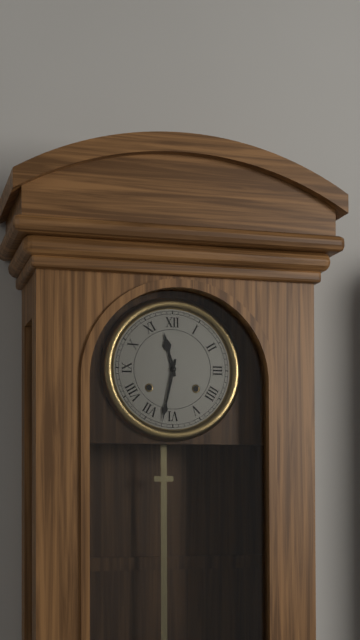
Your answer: **11:32**
